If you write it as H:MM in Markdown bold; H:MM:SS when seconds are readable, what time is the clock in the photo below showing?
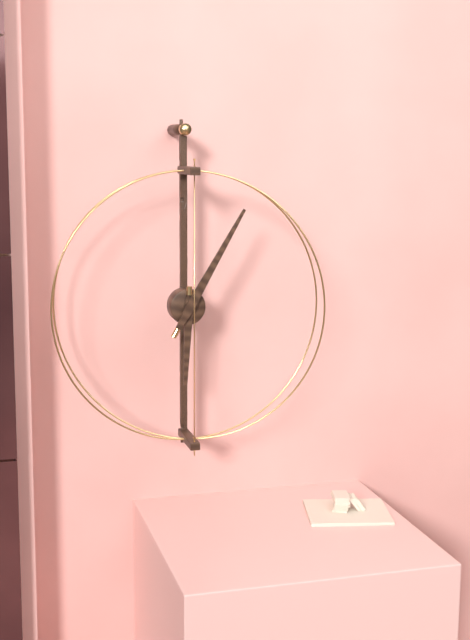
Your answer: **6:05**
